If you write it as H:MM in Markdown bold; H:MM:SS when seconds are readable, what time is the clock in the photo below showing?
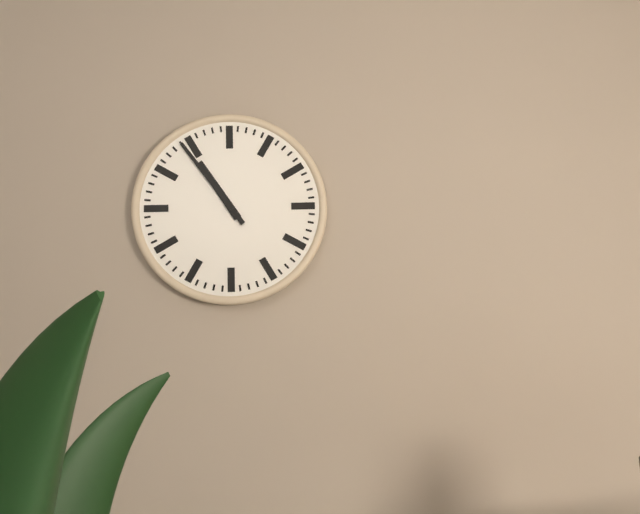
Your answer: **10:54**
